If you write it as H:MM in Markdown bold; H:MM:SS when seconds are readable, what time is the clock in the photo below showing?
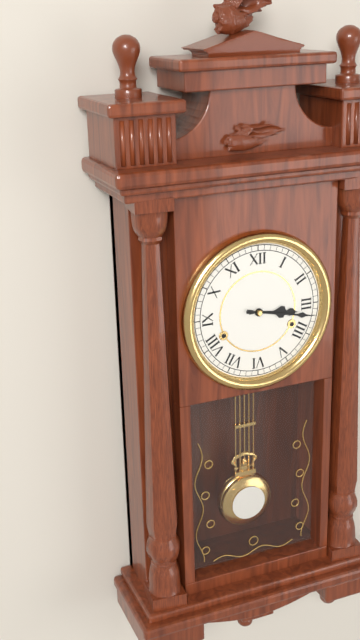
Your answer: **3:17**
